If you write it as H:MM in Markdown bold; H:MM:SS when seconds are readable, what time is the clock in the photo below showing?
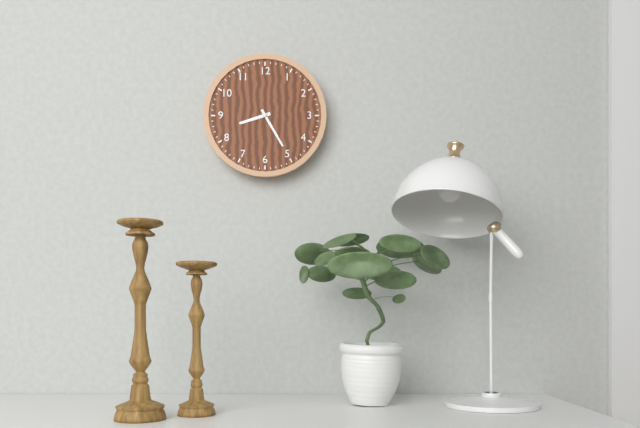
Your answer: **8:25**
